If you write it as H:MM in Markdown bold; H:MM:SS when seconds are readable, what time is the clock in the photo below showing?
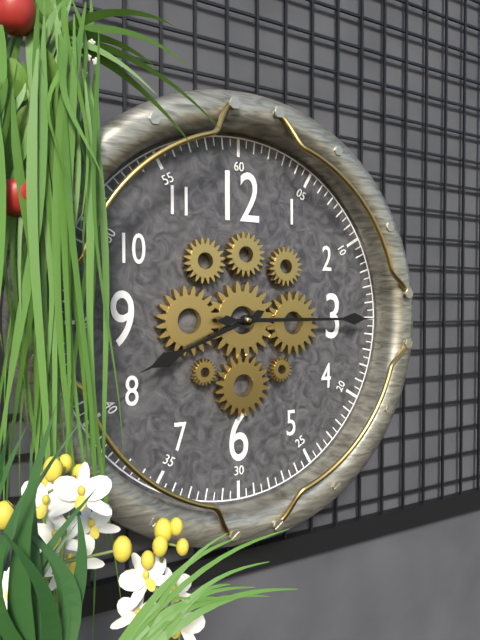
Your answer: **8:15**
